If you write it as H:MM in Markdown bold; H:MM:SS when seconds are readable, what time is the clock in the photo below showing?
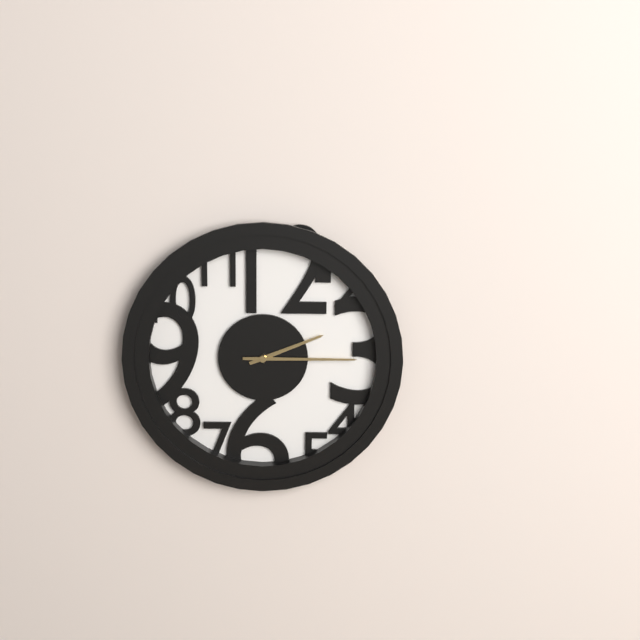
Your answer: **2:15**
